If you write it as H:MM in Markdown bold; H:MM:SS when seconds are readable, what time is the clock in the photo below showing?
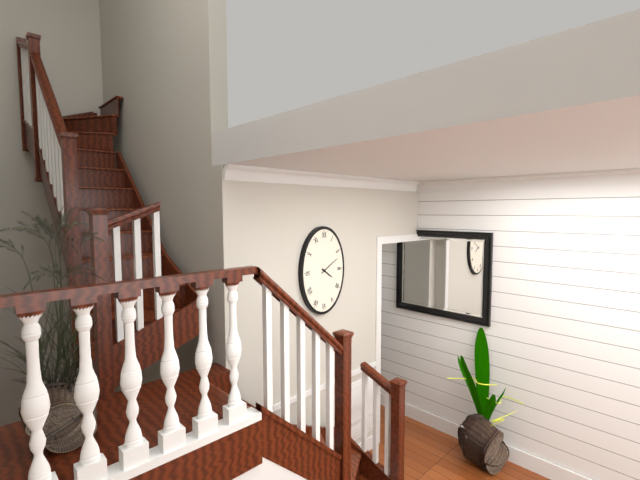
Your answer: **4:10**
